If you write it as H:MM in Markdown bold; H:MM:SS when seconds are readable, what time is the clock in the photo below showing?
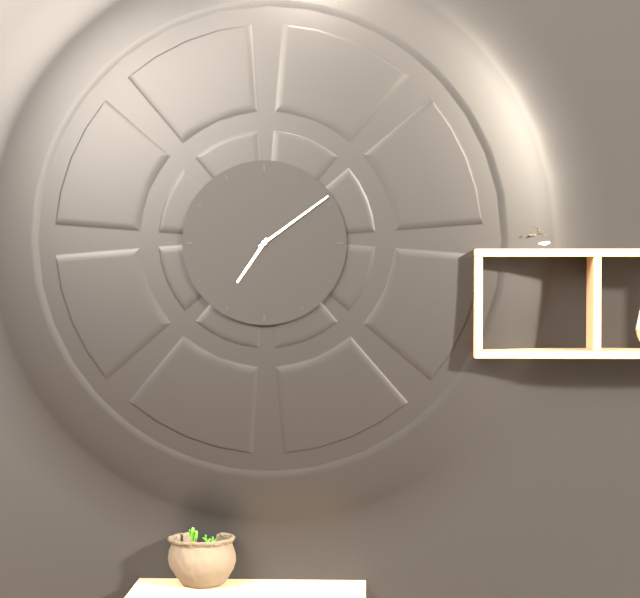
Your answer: **7:09**
